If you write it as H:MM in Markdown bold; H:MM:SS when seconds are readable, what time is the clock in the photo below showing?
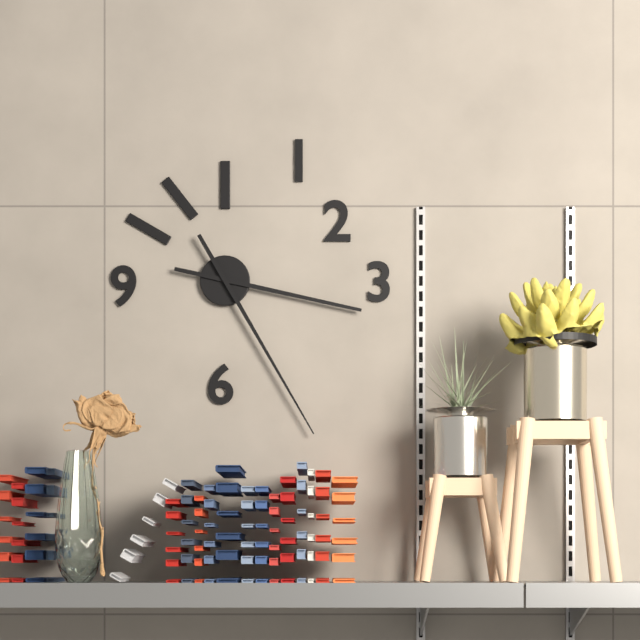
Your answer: **3:25**
